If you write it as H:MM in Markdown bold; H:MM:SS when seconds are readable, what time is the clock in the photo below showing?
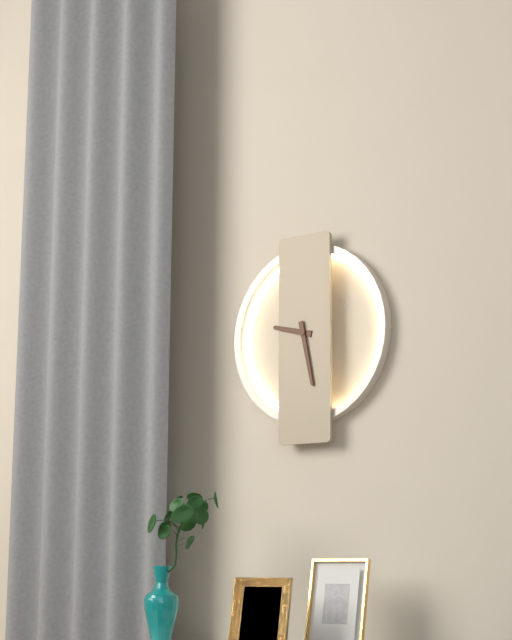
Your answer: **9:28**
